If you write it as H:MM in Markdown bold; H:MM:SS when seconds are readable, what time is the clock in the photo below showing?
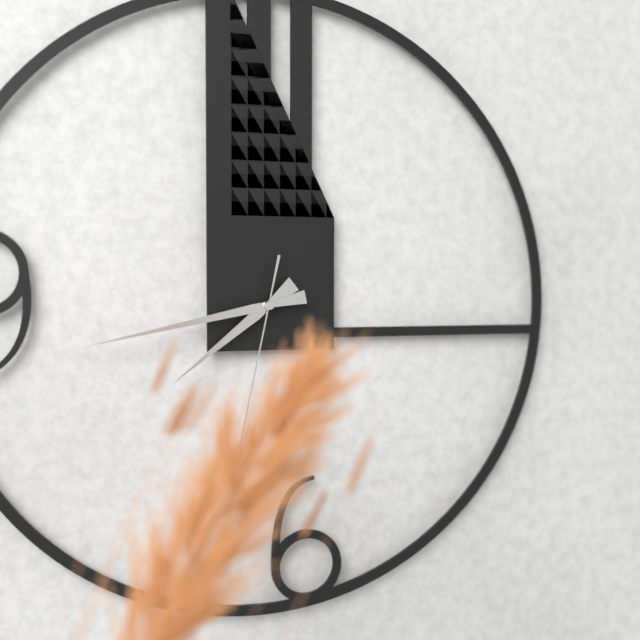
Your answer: **7:43**
